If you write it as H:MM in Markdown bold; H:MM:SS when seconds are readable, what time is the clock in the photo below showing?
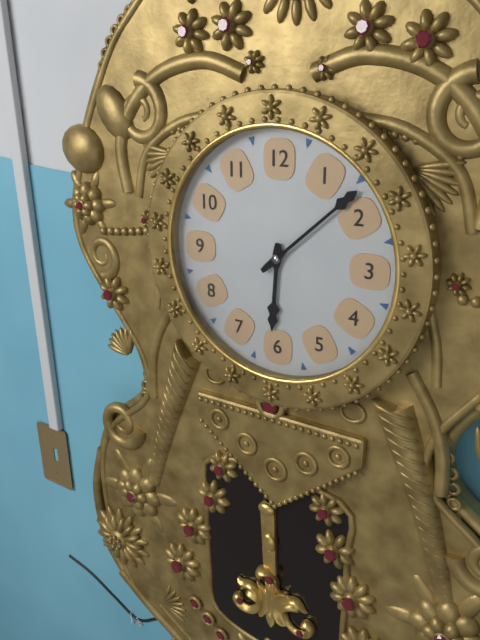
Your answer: **6:08**
